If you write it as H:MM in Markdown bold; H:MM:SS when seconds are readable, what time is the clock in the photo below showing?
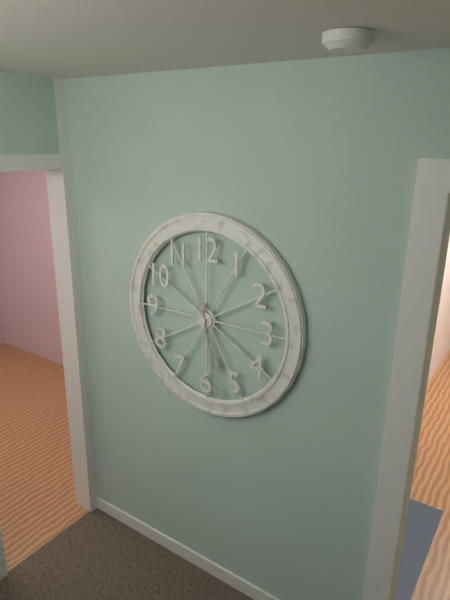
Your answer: **5:28**
